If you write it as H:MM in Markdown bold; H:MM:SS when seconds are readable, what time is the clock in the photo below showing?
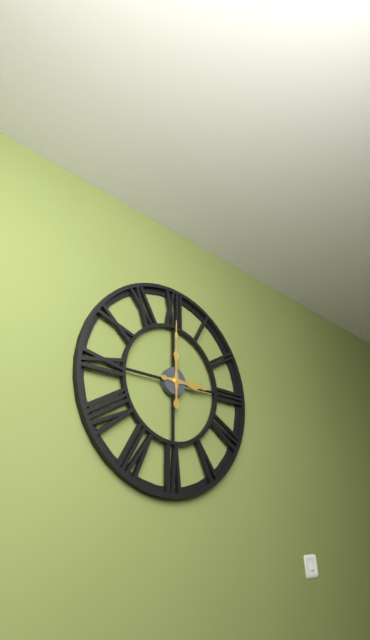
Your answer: **3:00**
